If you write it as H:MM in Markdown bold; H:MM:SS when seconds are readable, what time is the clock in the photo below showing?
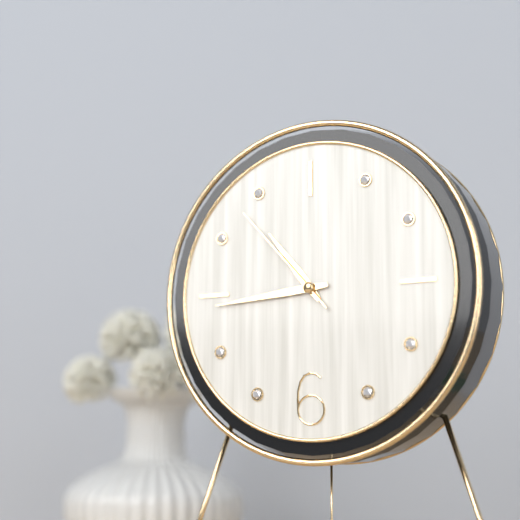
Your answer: **10:44:53**
